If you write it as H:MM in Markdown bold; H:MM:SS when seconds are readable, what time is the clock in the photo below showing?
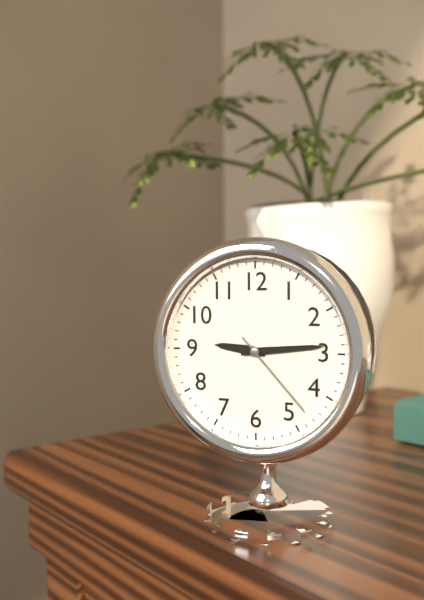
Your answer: **9:14:23**
